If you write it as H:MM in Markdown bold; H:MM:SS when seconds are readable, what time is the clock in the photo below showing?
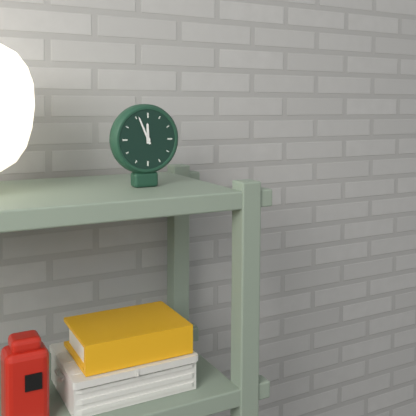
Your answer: **11:56**
